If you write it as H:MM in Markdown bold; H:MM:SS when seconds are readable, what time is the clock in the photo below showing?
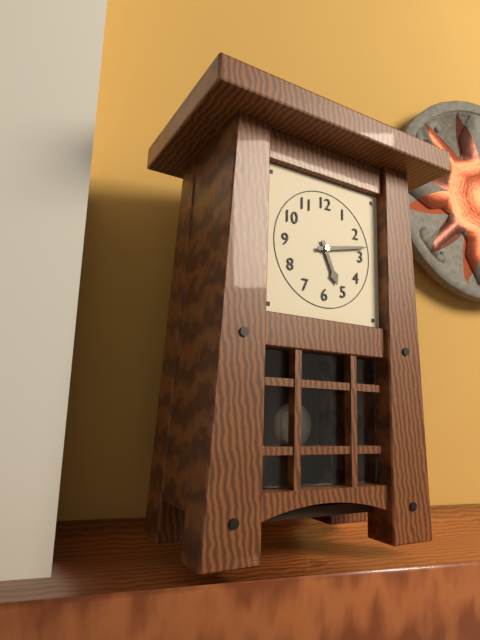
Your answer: **5:13**
